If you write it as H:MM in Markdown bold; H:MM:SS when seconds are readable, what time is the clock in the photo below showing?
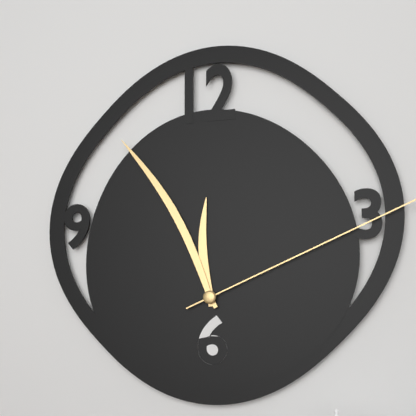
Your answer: **11:55**
